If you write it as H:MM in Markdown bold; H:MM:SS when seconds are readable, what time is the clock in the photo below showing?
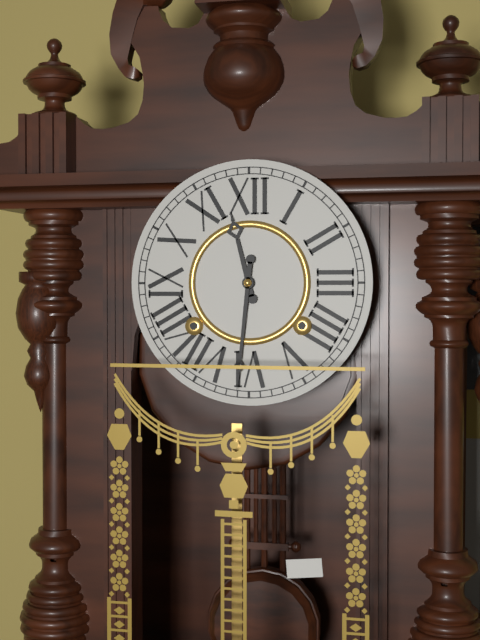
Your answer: **11:31**
